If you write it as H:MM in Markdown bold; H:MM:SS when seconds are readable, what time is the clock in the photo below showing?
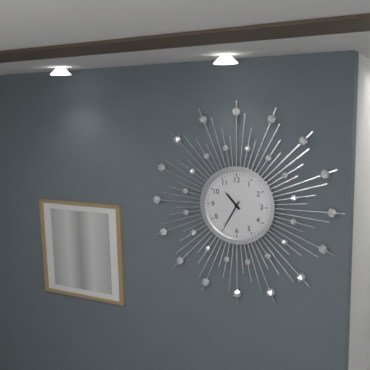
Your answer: **10:35**
